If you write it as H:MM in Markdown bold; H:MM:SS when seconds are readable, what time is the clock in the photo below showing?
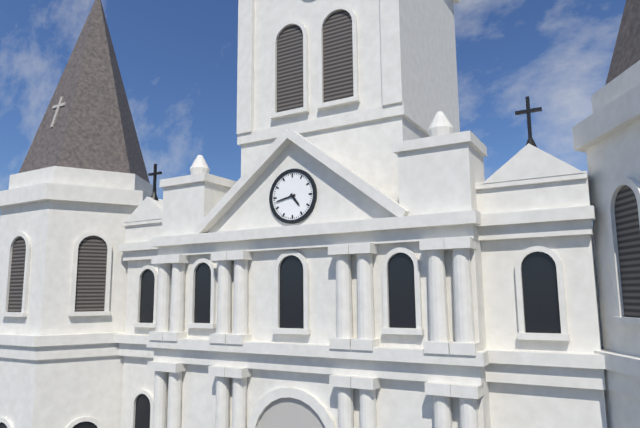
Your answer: **4:43**
